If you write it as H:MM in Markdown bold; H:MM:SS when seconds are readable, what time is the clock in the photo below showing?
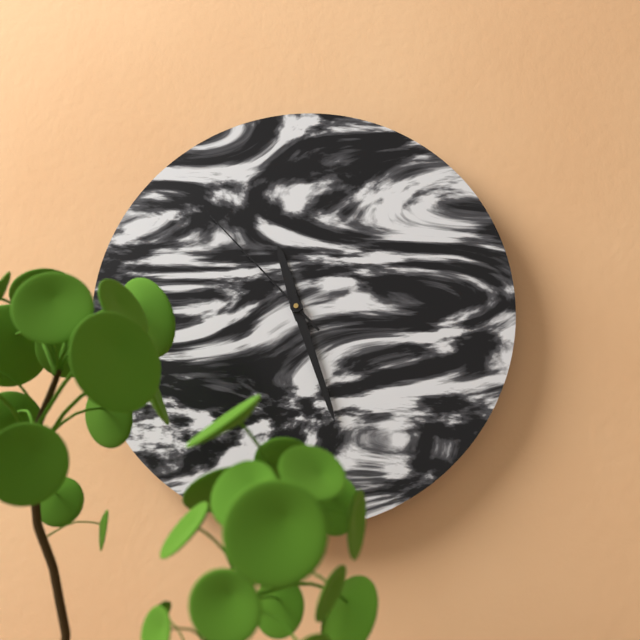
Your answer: **11:27:53**
